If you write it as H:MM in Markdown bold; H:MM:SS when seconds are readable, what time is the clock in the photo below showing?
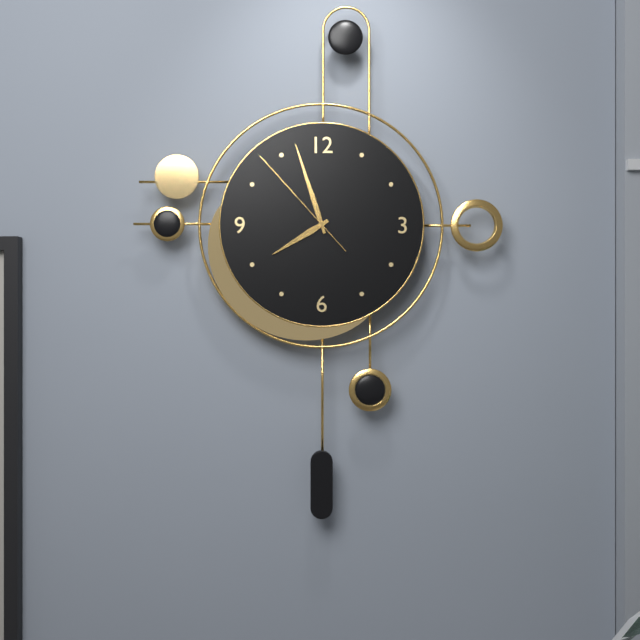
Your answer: **7:57:53**
